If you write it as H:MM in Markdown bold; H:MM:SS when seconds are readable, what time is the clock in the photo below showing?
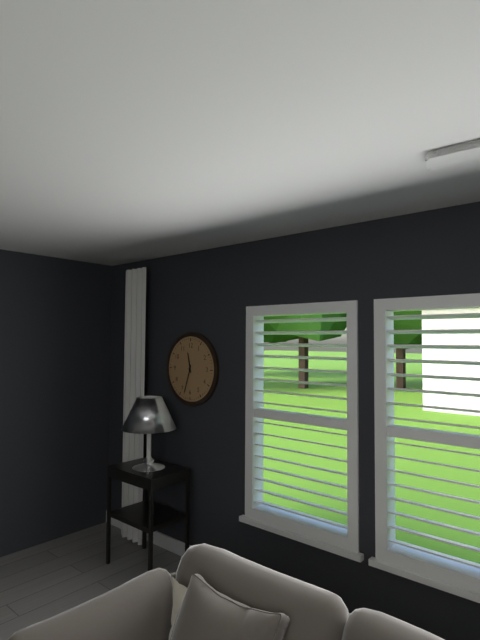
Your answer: **11:33**
